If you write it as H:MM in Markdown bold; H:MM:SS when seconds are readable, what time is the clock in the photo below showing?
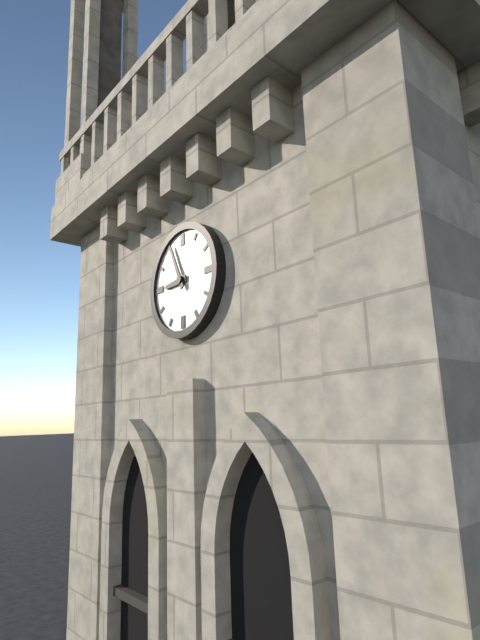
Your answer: **8:56**
